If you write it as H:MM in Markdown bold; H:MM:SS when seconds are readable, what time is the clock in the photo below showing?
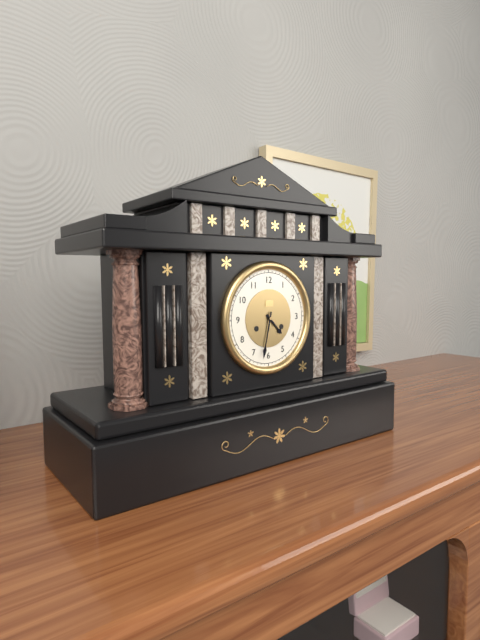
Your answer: **4:32**
